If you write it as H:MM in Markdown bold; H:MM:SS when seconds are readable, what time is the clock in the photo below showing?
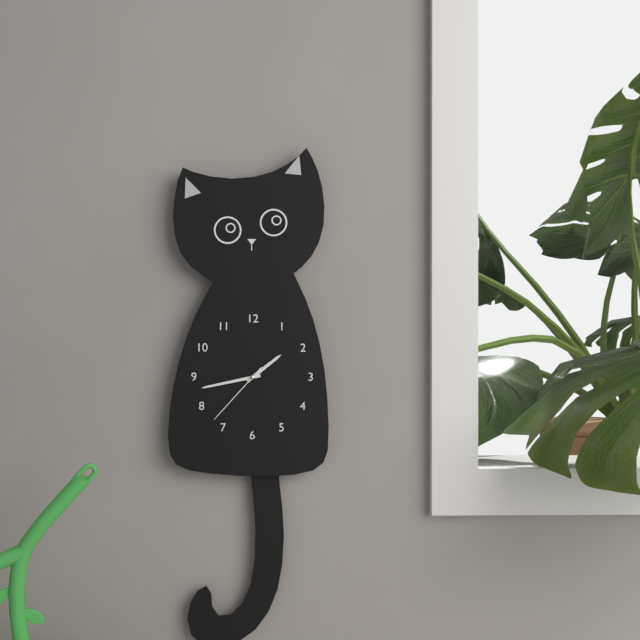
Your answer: **1:43:37**
